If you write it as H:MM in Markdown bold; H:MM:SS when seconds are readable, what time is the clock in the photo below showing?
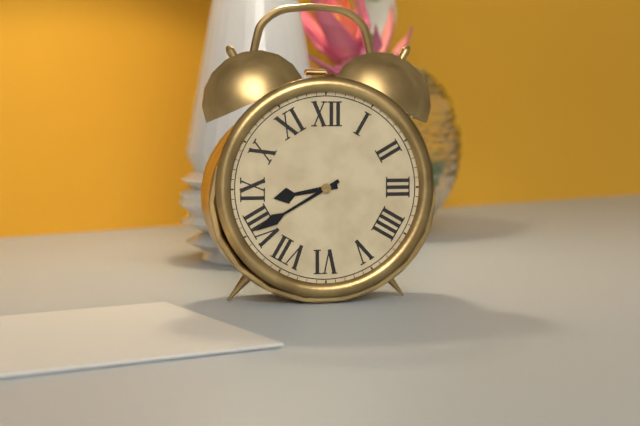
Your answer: **8:40**
